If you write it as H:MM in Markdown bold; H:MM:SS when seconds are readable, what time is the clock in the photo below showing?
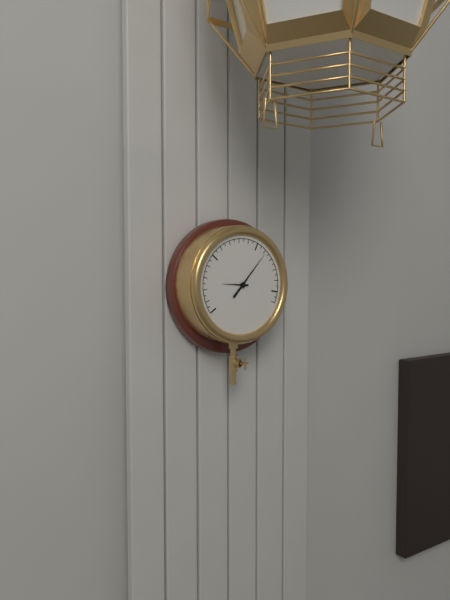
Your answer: **9:07**
